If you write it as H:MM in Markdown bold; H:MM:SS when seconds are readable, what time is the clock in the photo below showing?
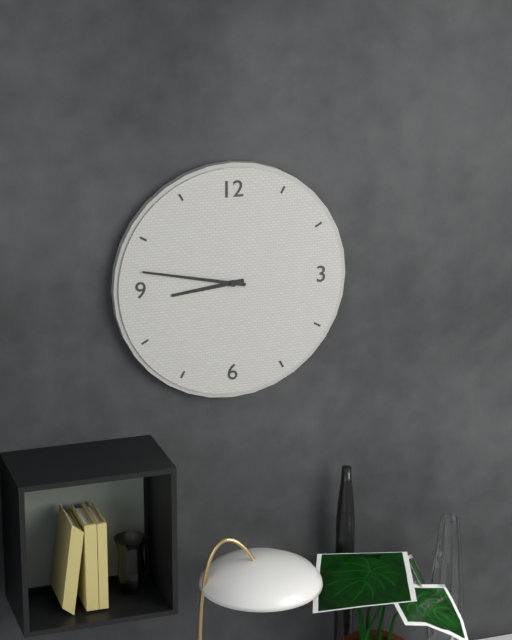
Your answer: **8:47**
